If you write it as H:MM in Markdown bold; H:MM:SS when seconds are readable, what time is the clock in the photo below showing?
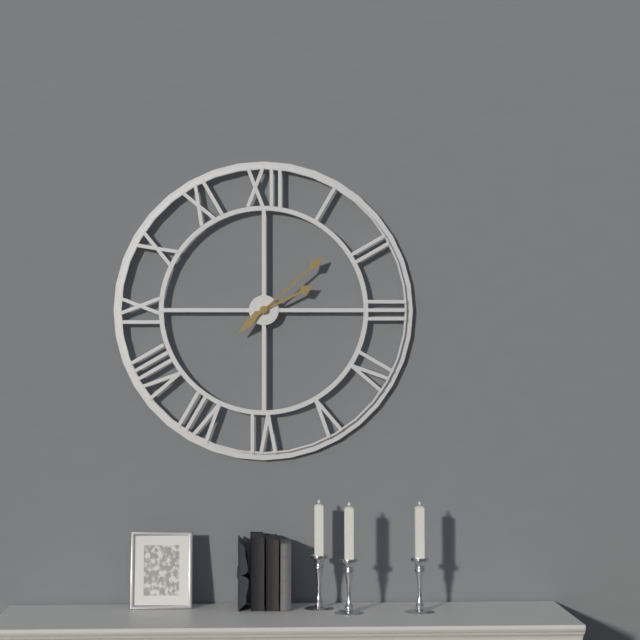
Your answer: **2:08**
